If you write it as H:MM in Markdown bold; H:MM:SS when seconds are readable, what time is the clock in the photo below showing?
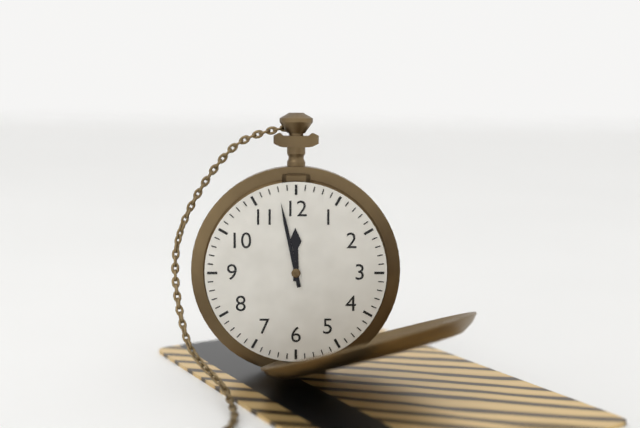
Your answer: **11:58**
